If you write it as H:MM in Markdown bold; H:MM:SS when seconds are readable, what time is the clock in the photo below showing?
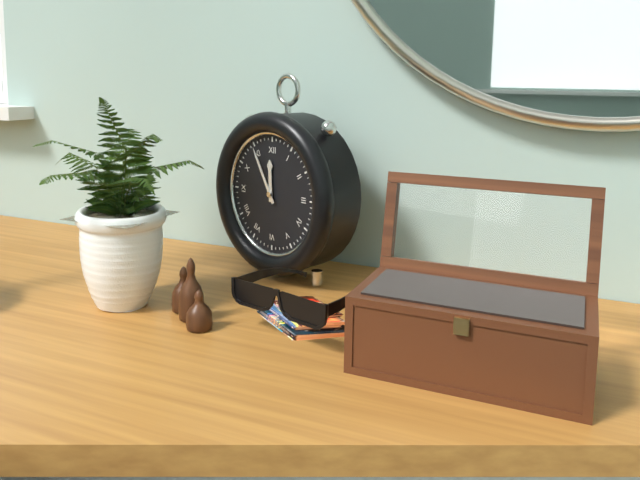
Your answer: **11:55**
